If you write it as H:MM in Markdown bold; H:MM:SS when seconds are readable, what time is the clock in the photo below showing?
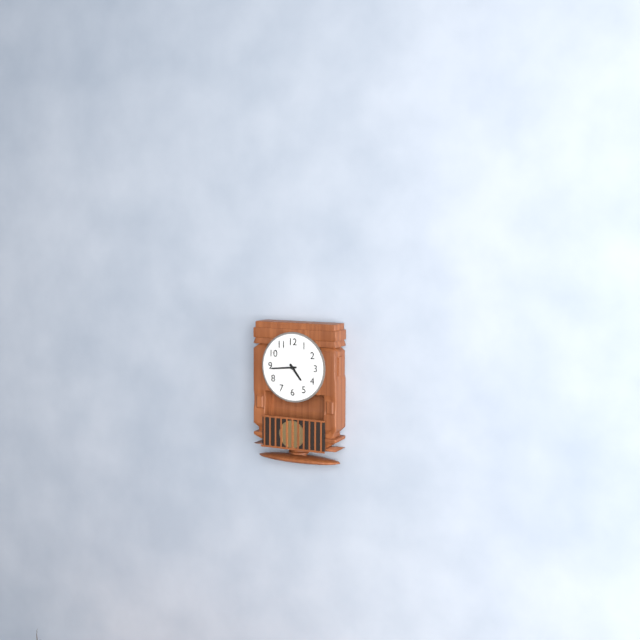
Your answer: **4:44**
